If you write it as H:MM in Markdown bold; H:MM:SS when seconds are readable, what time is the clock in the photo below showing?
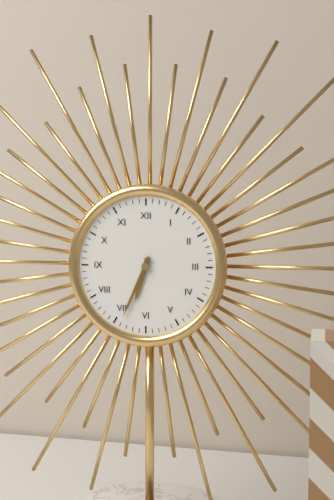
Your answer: **6:34**
